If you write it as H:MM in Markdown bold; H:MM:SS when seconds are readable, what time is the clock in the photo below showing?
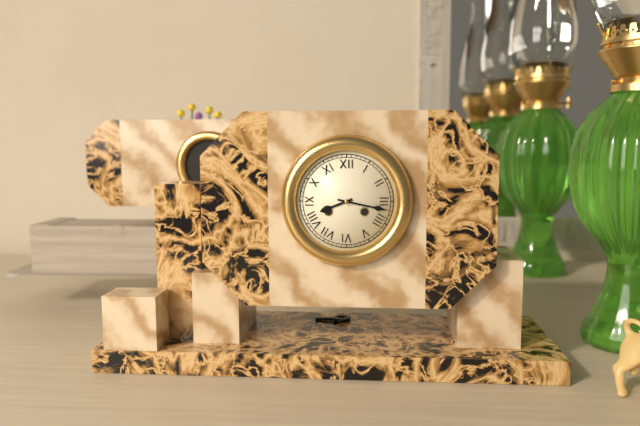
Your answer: **8:17**
